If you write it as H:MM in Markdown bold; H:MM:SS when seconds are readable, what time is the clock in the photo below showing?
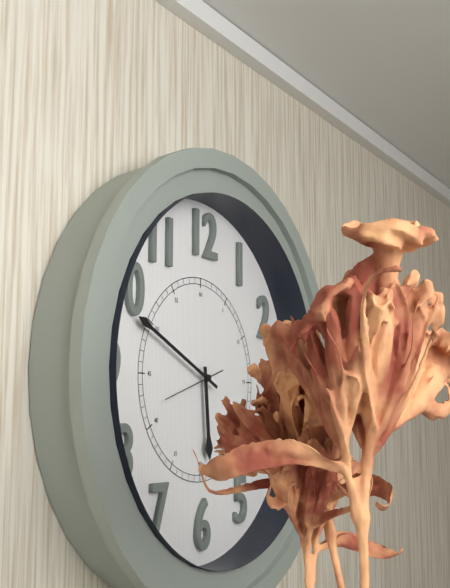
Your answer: **5:49:42**
